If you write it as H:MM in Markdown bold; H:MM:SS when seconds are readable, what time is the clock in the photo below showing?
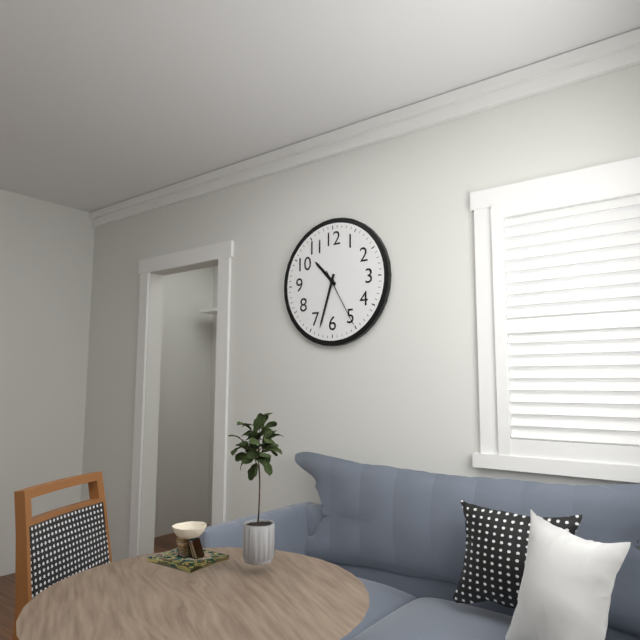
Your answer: **10:33:25**
